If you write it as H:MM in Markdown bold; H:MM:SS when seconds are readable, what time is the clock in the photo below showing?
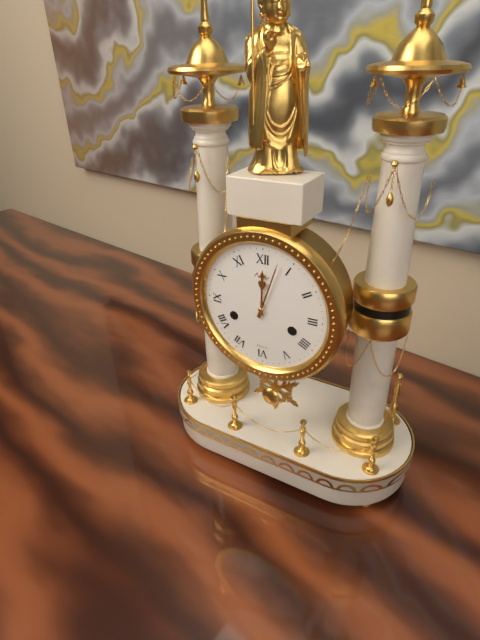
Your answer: **12:03**
